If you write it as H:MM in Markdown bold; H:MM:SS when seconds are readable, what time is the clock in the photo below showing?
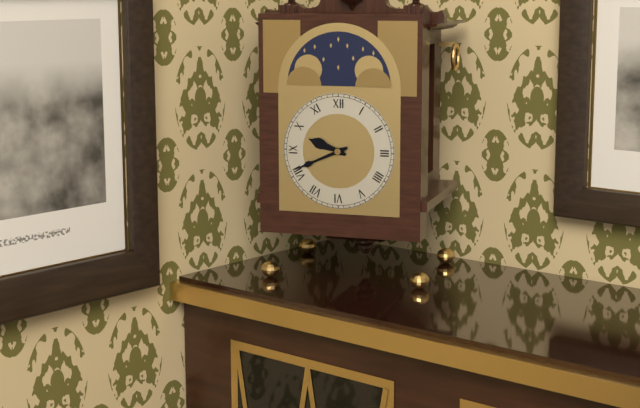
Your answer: **9:41**
